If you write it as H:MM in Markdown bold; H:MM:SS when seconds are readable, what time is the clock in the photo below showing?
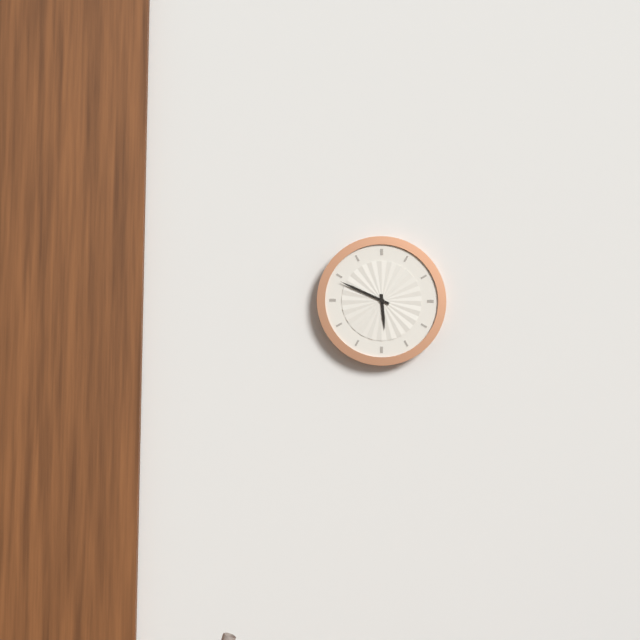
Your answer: **5:49**
